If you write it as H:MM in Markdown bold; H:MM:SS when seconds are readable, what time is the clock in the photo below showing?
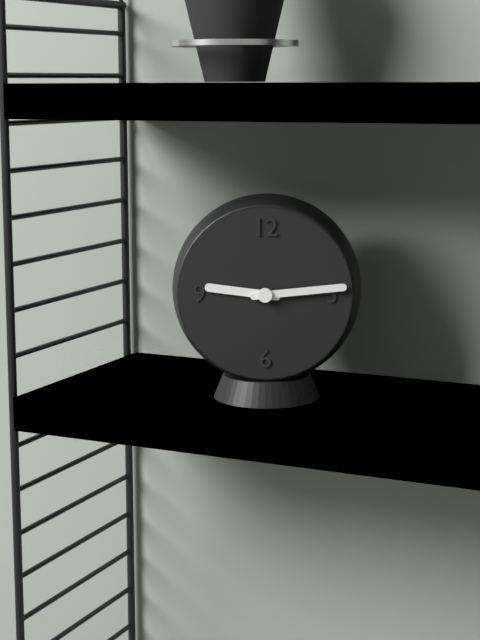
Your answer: **9:14**
